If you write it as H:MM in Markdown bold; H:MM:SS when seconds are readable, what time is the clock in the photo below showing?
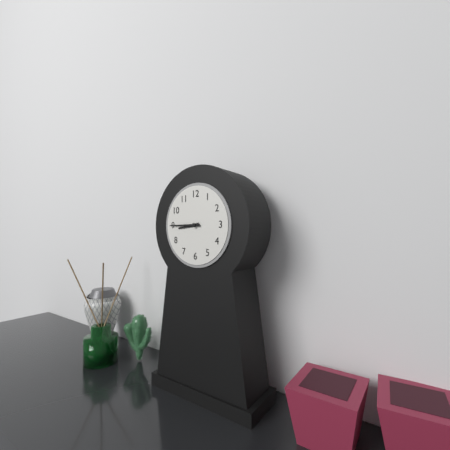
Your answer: **8:45**
